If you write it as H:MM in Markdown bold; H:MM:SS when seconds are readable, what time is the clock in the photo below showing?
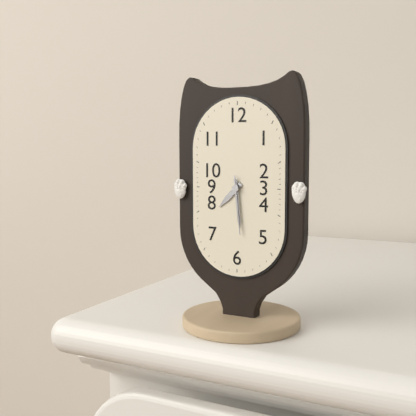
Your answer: **7:29:29**
